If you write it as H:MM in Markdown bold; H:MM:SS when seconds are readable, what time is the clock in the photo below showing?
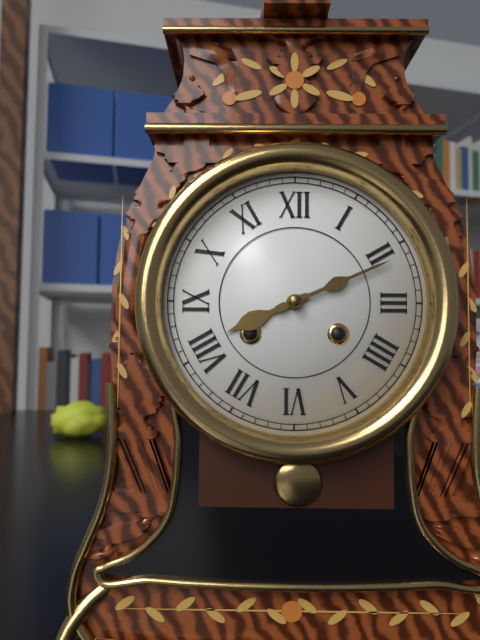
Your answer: **8:11**
